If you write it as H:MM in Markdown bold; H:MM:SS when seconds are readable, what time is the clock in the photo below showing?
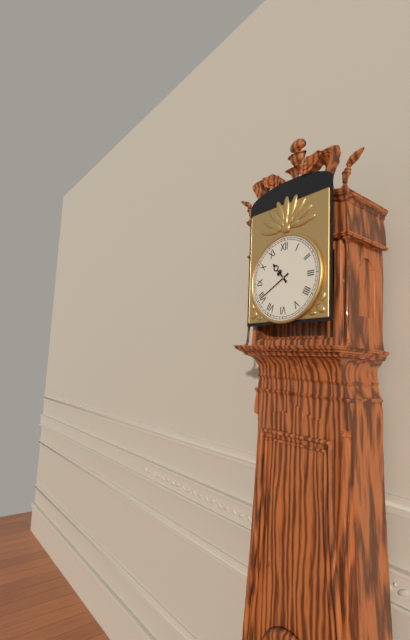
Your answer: **10:40**
